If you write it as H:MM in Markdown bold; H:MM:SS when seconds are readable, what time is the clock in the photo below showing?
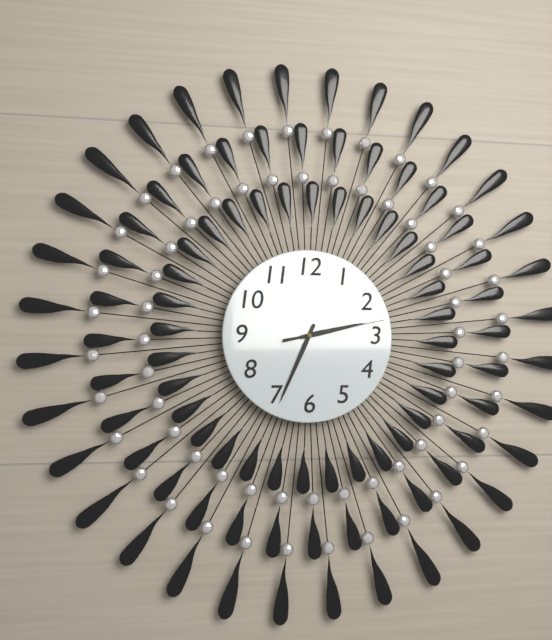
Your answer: **2:34:13**
